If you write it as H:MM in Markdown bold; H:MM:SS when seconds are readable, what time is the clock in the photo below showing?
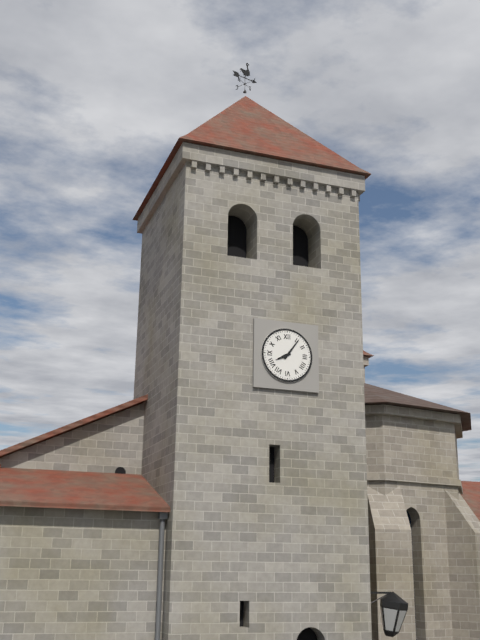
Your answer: **8:06**
